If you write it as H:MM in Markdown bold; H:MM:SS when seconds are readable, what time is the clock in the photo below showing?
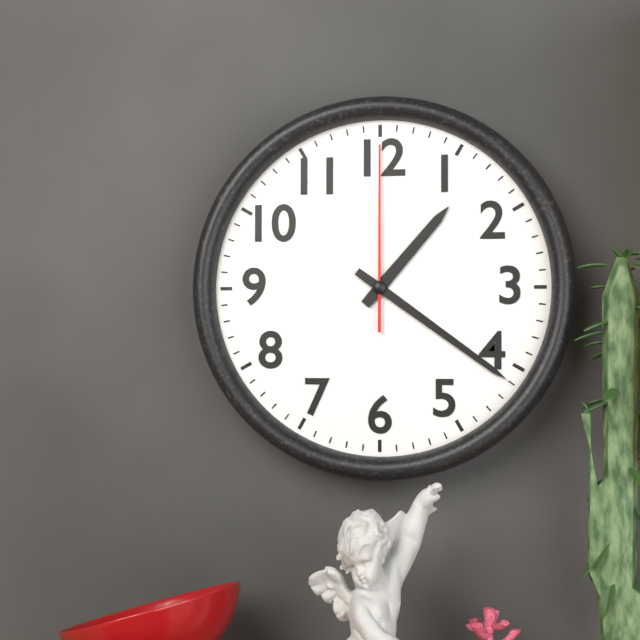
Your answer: **1:21:00**
